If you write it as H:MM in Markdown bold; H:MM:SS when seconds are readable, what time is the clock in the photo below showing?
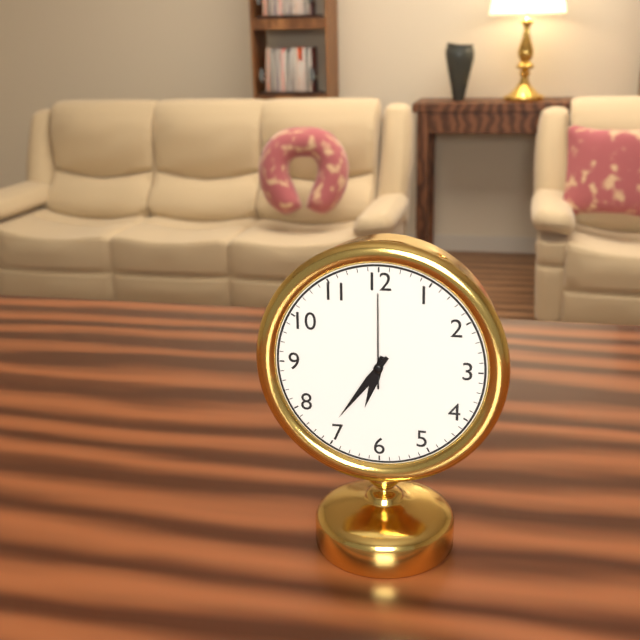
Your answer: **6:36:00**
